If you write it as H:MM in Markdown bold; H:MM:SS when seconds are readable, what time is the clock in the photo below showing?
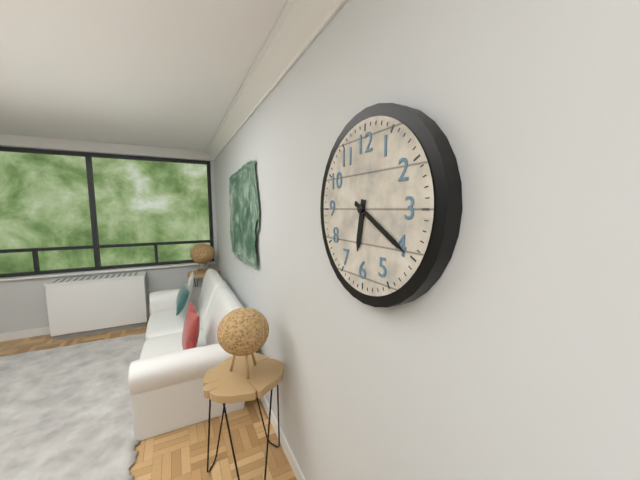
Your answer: **6:20**
